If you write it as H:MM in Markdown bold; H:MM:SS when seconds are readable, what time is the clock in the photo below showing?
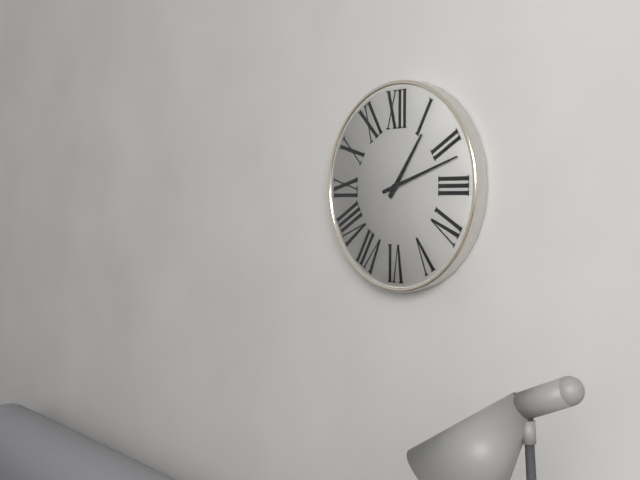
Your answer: **1:12**
